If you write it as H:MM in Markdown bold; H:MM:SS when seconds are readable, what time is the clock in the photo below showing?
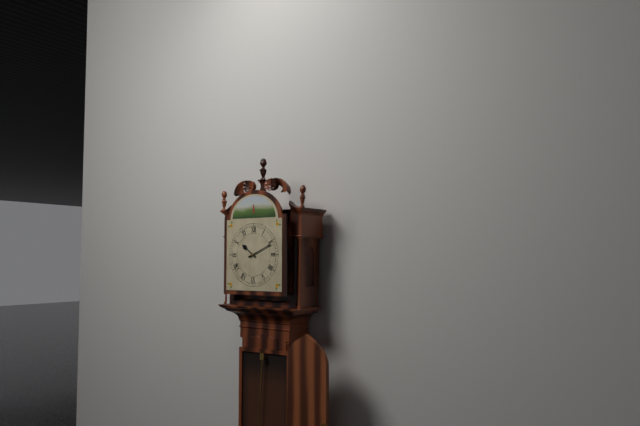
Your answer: **10:11**
